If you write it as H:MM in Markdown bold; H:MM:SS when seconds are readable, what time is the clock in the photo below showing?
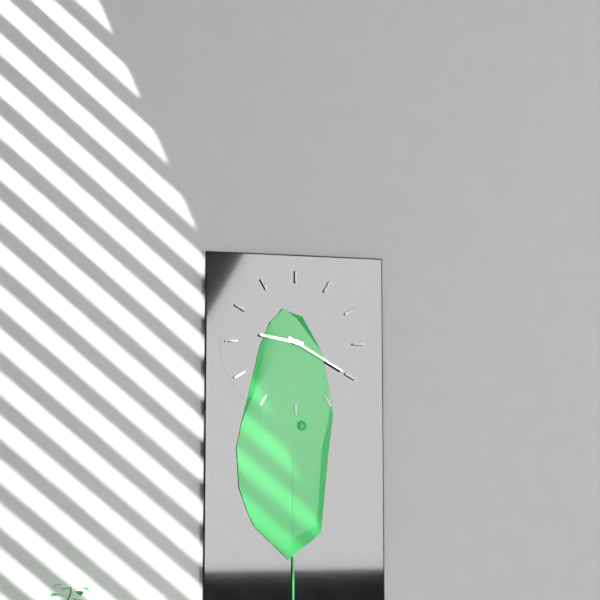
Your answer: **9:20**
